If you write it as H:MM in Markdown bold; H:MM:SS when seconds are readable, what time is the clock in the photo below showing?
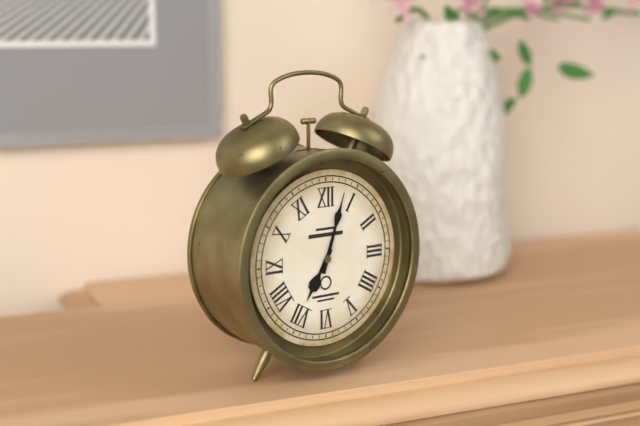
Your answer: **7:03**
